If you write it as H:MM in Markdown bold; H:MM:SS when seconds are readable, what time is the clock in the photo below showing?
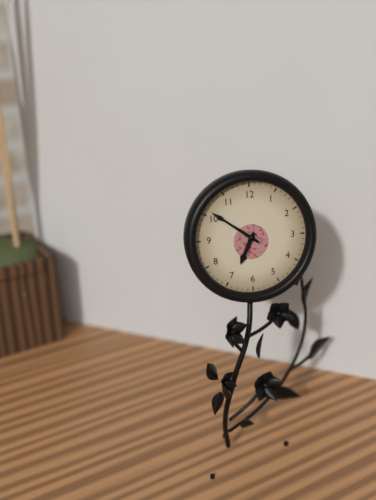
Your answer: **6:51**
